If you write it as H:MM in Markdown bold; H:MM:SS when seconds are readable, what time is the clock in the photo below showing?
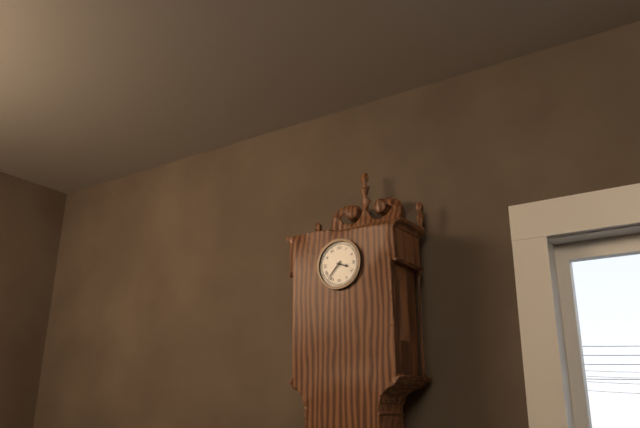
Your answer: **3:37**
